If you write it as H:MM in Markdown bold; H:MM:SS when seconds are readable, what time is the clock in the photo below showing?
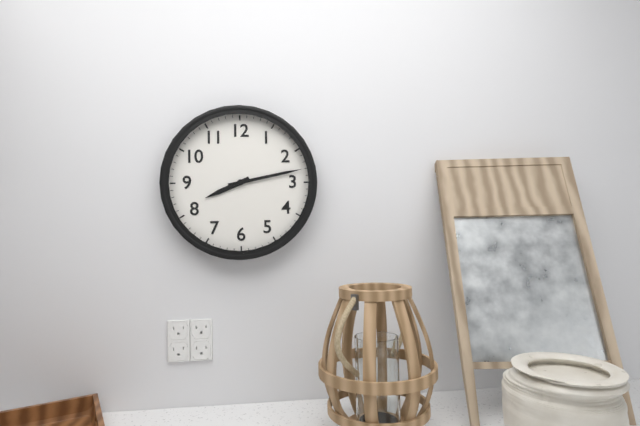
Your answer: **8:13**
